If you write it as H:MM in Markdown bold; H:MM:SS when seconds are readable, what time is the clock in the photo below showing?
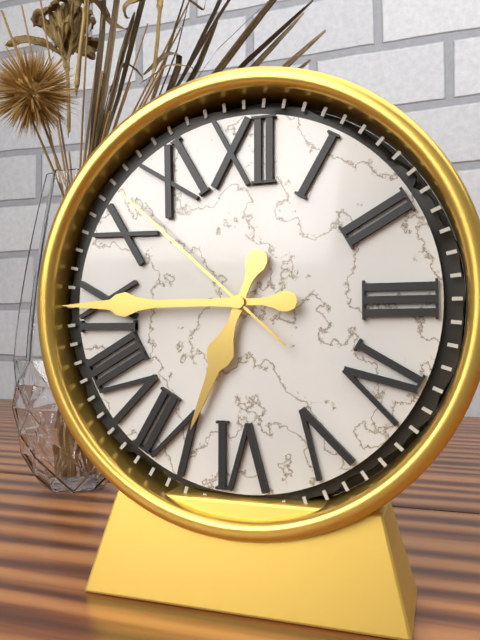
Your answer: **6:45:52**
